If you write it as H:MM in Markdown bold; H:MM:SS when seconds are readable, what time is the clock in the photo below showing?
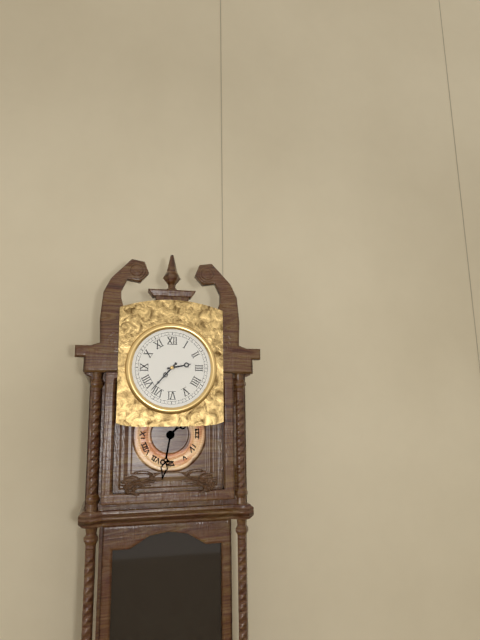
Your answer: **2:37**
